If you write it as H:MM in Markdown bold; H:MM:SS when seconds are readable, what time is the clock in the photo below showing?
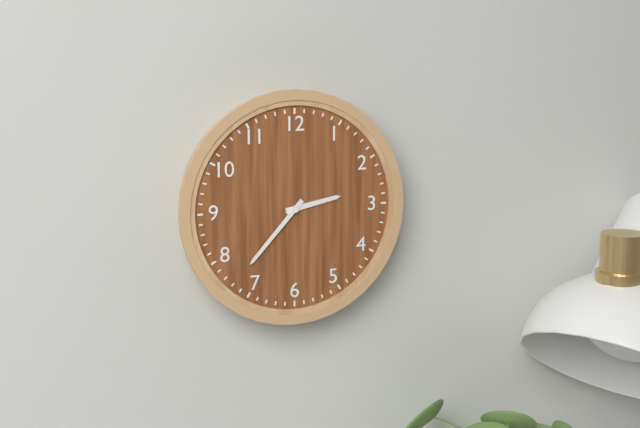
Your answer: **2:37**
